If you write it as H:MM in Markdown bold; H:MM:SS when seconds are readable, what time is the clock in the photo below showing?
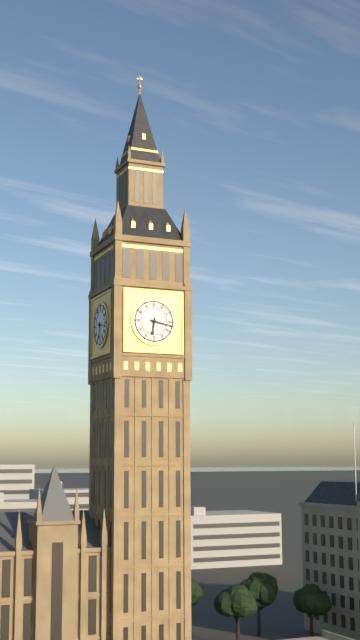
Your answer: **6:17**
